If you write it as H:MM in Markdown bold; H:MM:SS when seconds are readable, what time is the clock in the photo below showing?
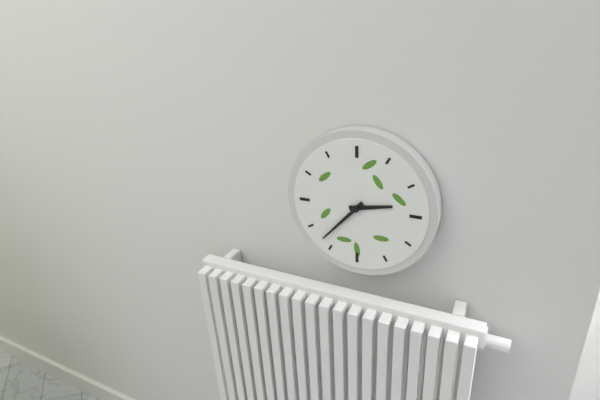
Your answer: **2:37**
